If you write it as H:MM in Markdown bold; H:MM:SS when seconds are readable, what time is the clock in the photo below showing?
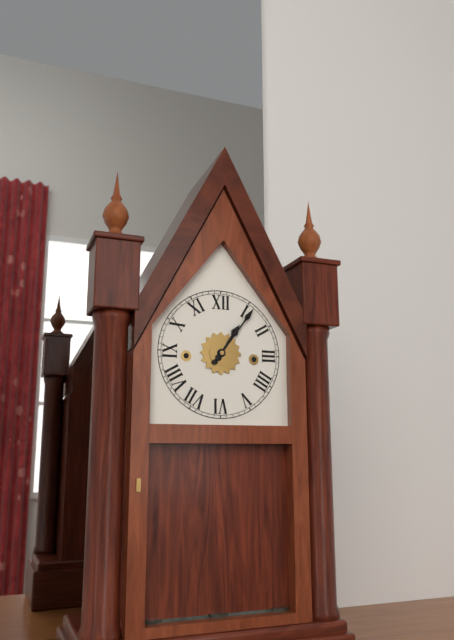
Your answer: **1:06**
